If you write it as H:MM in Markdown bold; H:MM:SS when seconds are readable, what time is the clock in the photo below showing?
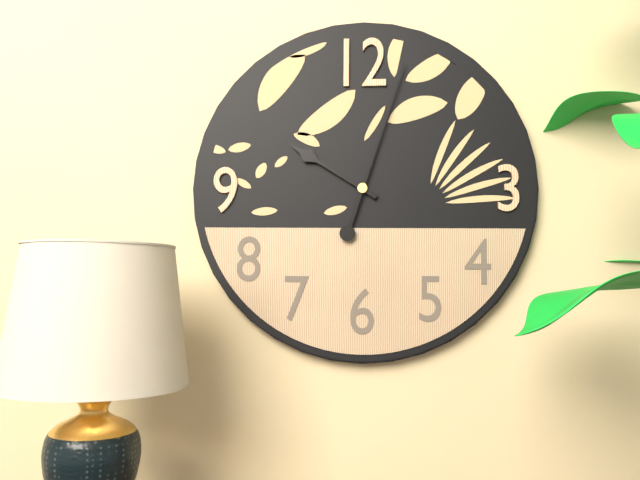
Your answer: **10:03**
